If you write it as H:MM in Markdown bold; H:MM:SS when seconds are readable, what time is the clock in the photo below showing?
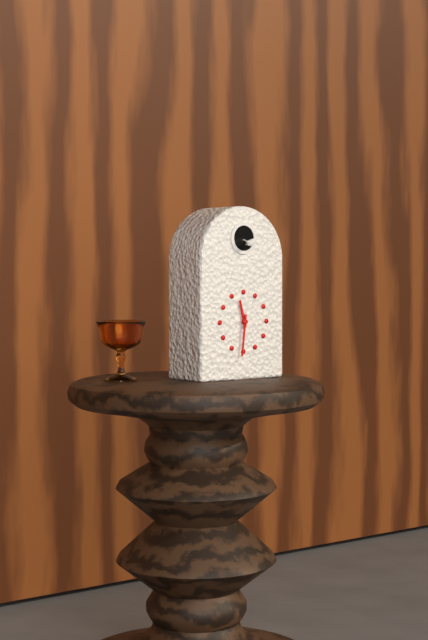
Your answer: **11:31**
